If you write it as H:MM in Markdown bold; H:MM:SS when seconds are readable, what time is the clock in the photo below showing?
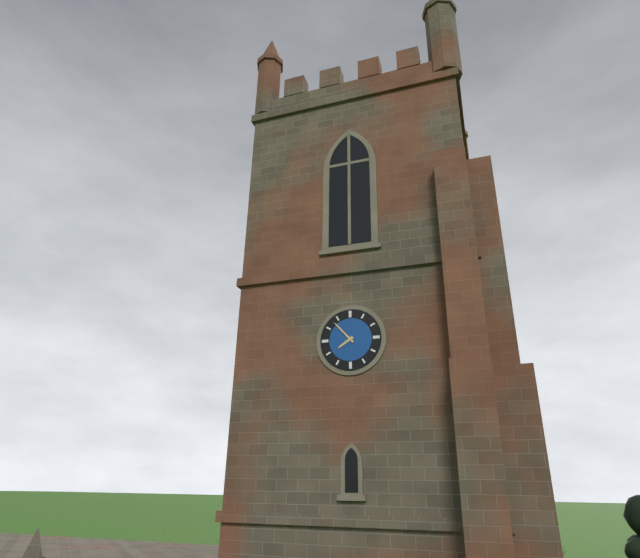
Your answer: **7:53**
